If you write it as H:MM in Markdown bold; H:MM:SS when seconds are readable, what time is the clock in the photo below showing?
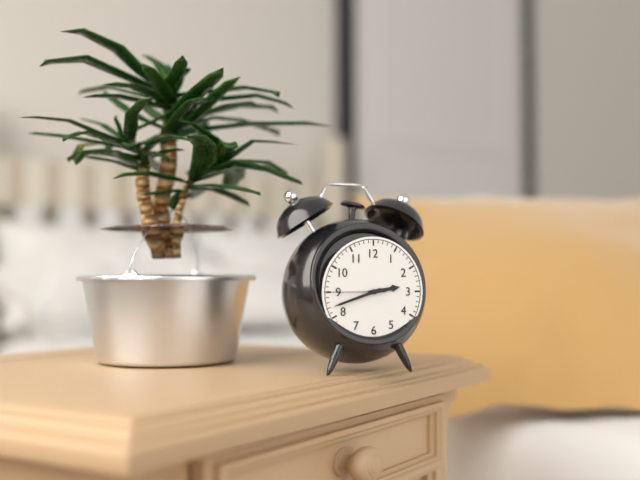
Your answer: **2:42:45**
